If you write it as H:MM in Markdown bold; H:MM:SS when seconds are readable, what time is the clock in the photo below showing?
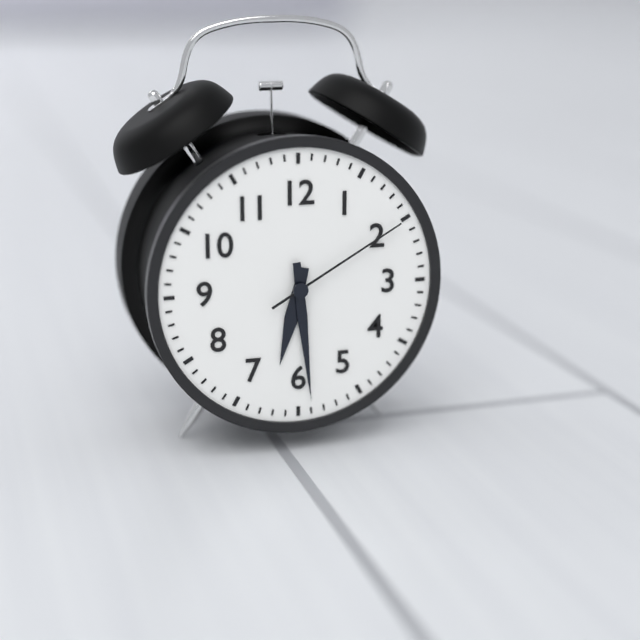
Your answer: **6:29:10**
